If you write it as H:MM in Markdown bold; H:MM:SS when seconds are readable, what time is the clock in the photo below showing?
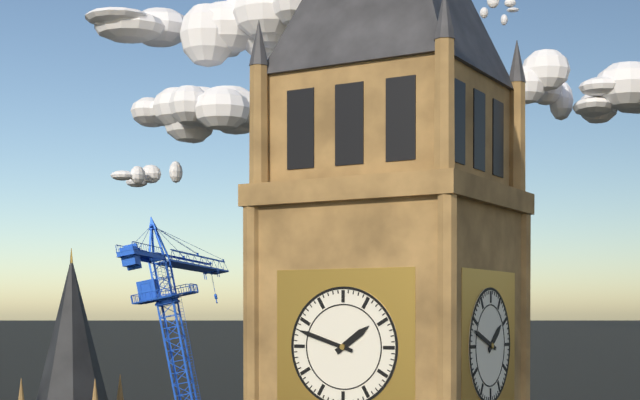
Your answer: **1:48**
